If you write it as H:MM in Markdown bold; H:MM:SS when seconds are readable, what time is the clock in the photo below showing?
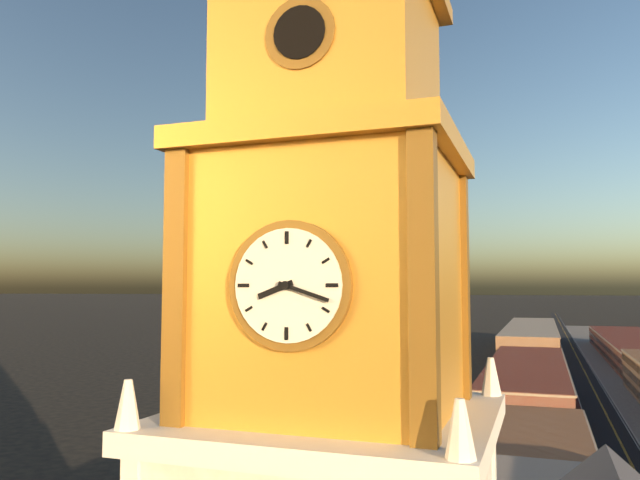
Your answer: **8:18**
